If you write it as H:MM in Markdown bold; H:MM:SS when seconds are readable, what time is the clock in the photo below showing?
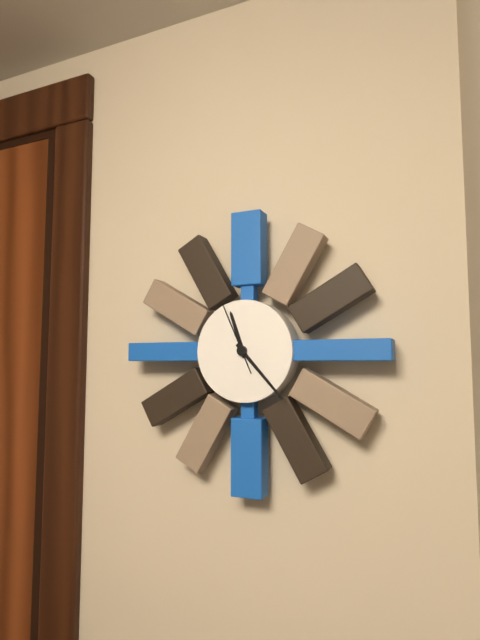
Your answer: **11:23:56**
